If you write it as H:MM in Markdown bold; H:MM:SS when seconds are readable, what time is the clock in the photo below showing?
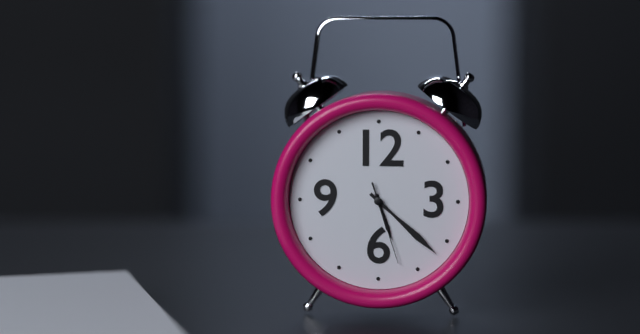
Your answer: **5:22:27**
